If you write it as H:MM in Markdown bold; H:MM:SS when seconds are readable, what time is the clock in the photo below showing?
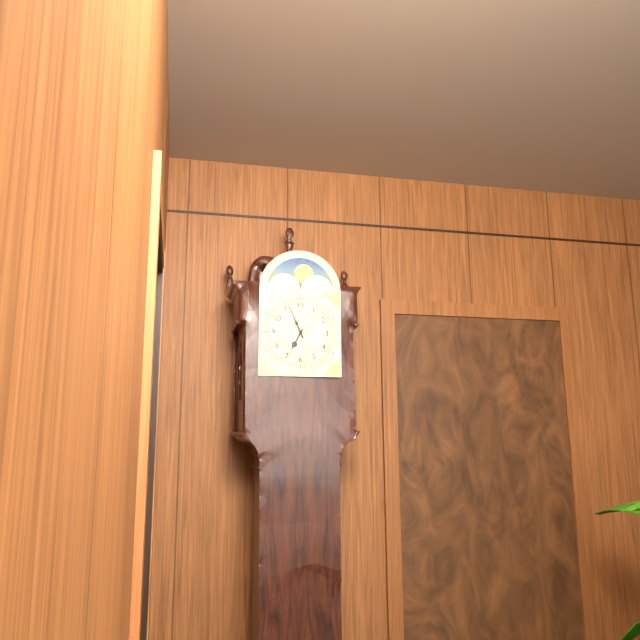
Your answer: **6:56**
